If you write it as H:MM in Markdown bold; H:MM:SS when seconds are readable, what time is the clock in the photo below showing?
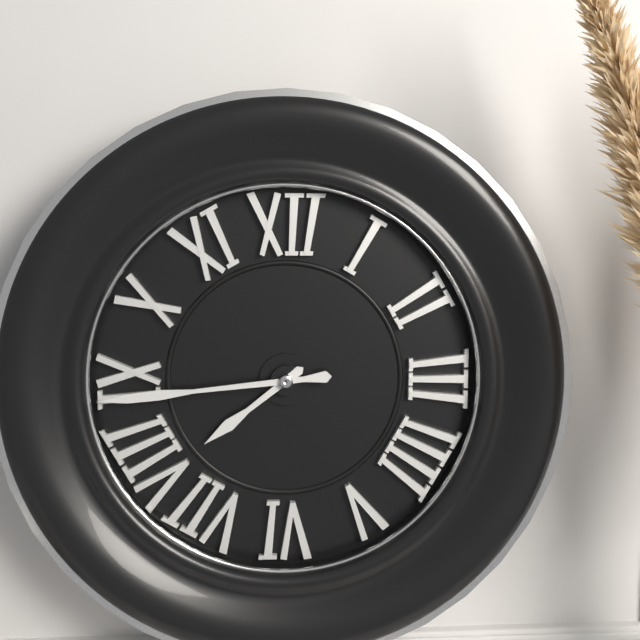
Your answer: **7:44**
